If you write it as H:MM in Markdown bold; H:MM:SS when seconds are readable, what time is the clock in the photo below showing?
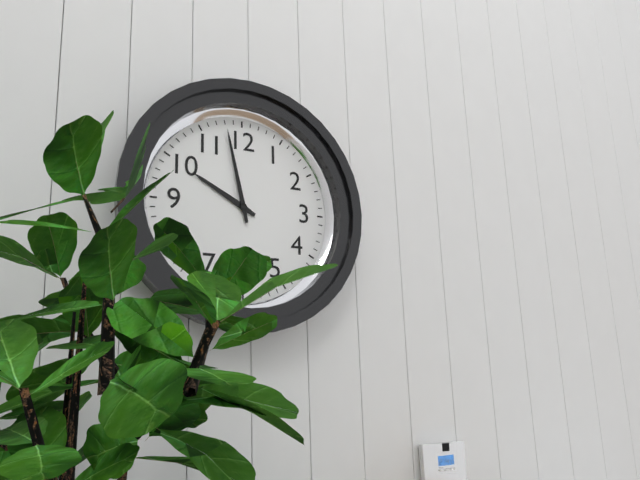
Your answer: **9:58**
